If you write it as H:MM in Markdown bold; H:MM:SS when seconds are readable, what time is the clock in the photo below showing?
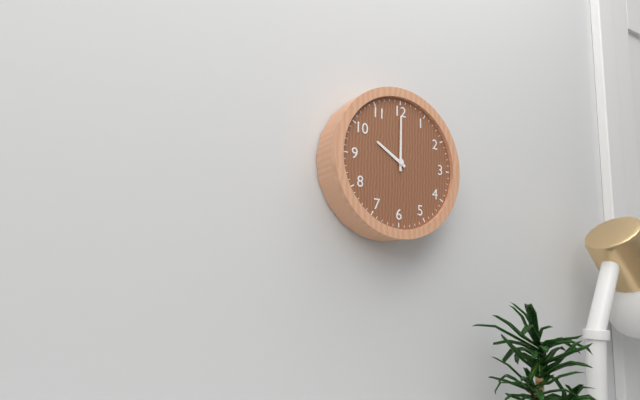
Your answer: **10:00**
